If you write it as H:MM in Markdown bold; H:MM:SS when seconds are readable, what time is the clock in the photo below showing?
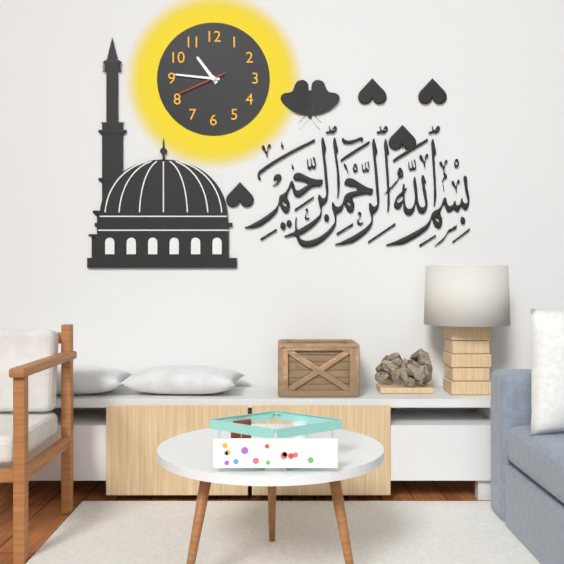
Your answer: **10:46**
